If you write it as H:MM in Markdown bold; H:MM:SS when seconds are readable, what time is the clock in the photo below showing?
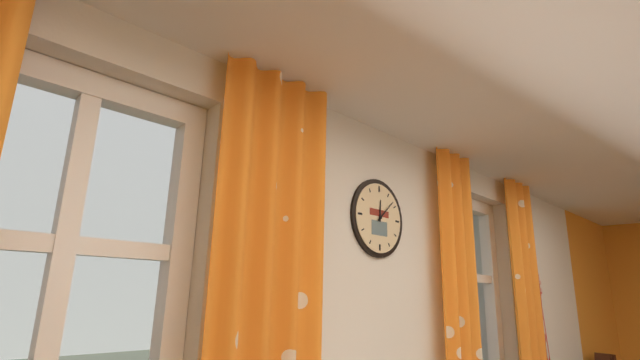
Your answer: **12:08**
